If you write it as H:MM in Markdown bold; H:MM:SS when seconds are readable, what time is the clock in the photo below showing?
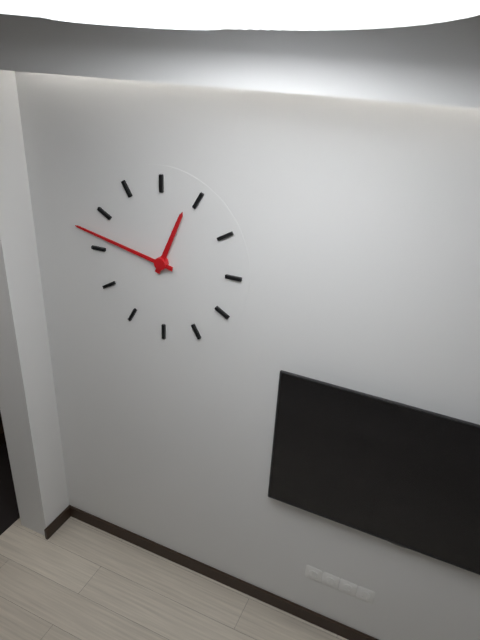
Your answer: **12:47**
